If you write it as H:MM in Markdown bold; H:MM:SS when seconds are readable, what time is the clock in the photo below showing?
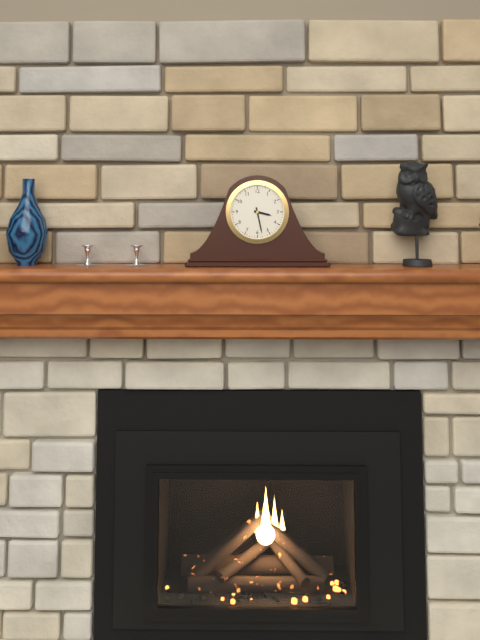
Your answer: **3:28**
